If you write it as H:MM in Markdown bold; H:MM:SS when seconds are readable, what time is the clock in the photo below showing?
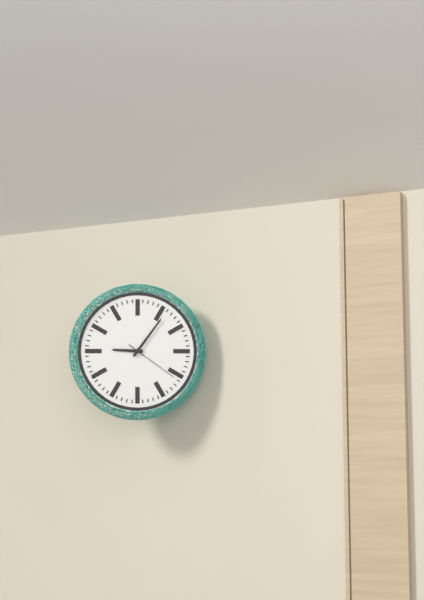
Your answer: **9:06:21**
